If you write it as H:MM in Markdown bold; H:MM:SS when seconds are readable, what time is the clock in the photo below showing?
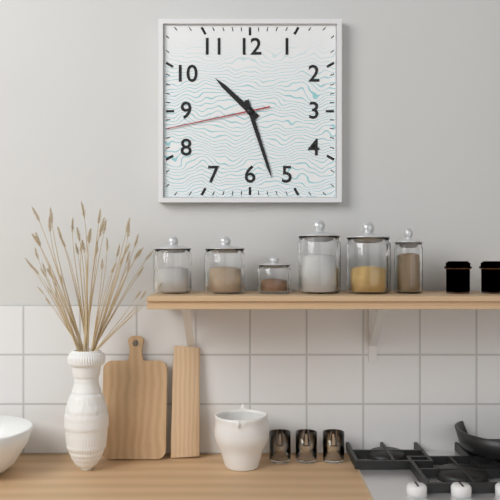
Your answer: **10:27:43**
